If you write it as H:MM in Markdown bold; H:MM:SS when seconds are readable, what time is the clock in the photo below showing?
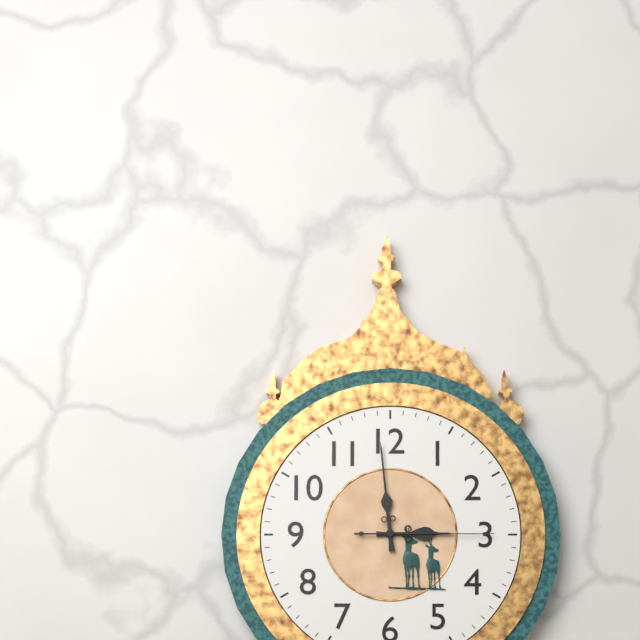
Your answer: **2:59:15**
